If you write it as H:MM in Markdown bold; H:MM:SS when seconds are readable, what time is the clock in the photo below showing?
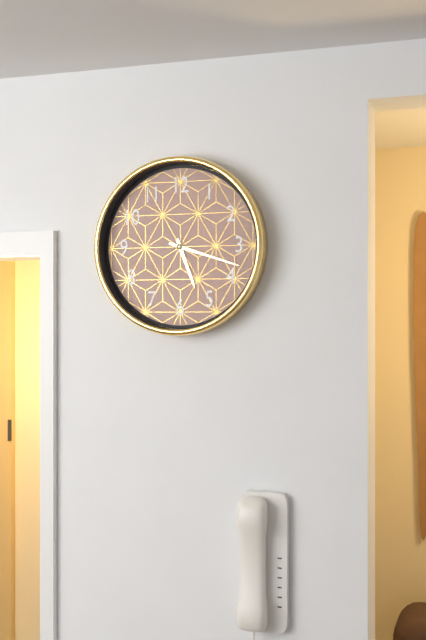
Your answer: **5:18**
